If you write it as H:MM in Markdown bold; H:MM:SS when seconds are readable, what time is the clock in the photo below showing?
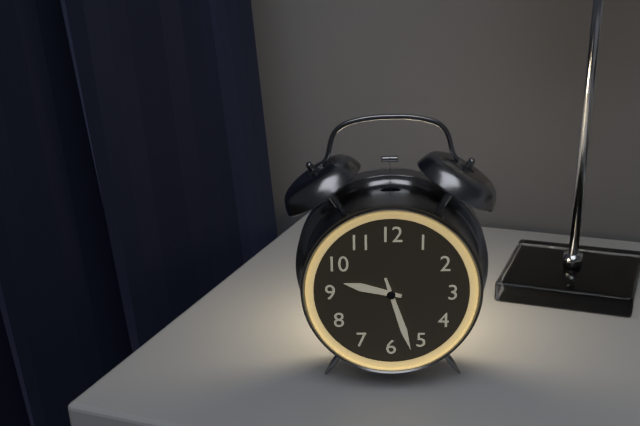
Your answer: **9:27**
